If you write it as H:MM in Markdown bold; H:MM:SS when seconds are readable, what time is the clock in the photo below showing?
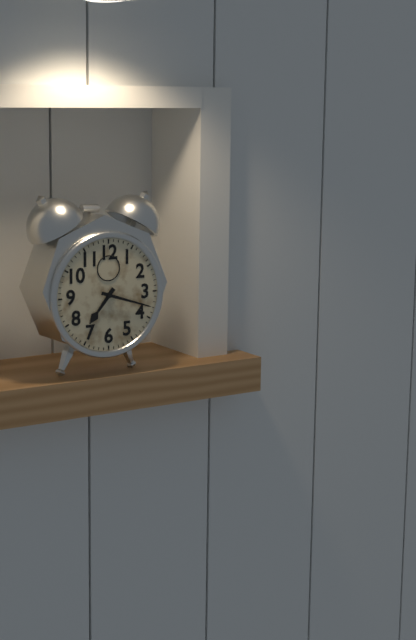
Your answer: **7:18**
